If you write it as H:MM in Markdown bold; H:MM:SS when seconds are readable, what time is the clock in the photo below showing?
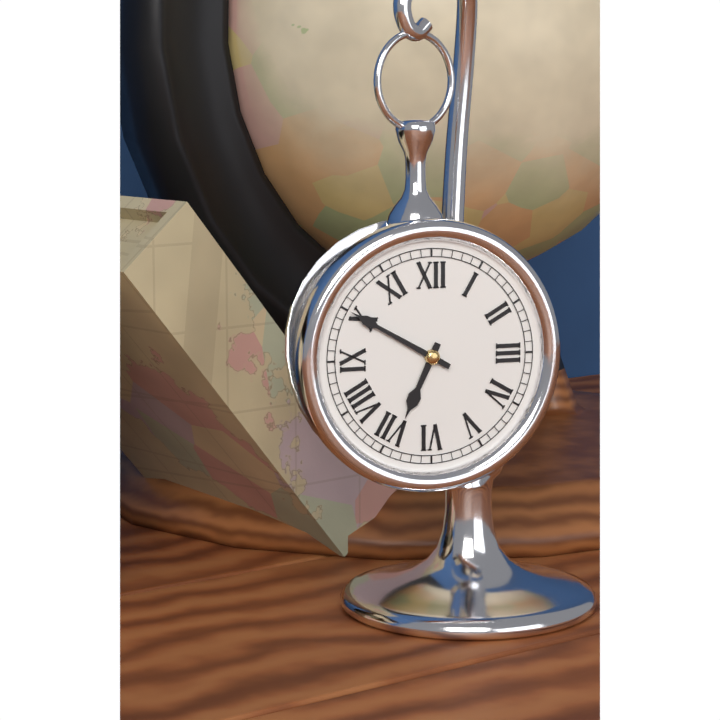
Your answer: **6:50**
